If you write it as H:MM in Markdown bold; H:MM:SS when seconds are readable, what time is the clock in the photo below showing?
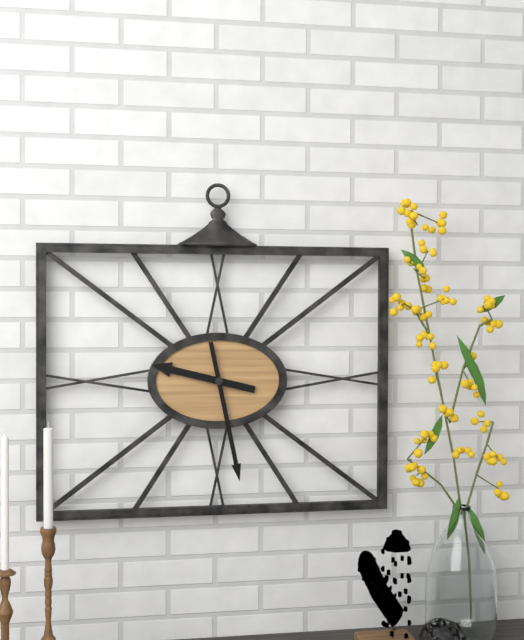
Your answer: **9:28**
